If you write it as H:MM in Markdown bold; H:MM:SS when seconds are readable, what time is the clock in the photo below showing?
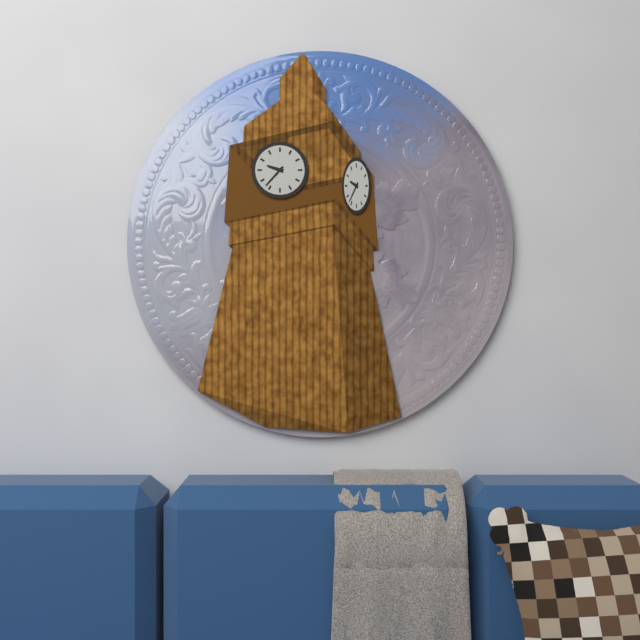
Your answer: **9:37**
